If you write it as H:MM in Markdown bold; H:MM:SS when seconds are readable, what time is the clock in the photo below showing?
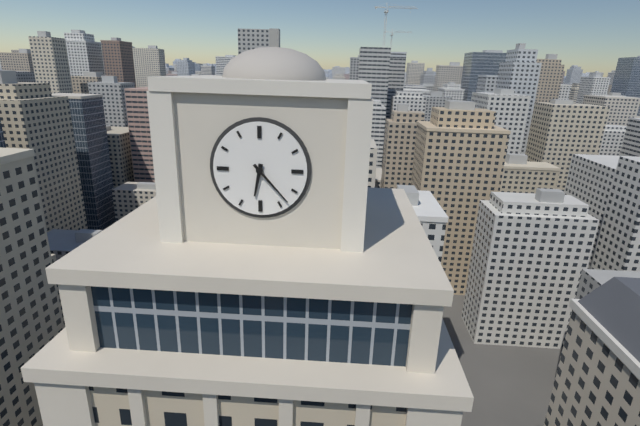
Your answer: **6:23**
